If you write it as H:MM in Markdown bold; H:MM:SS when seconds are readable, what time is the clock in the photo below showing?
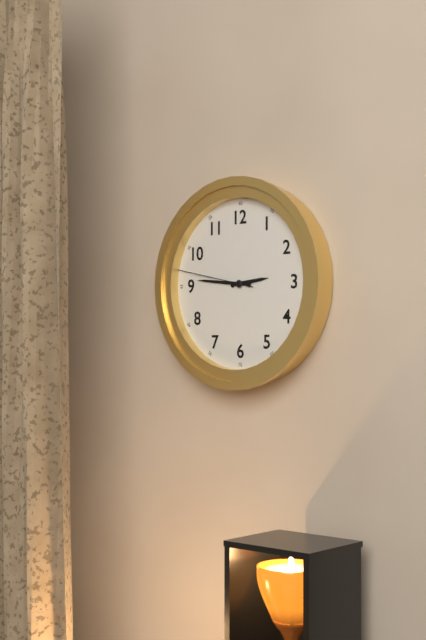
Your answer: **2:46:47**
